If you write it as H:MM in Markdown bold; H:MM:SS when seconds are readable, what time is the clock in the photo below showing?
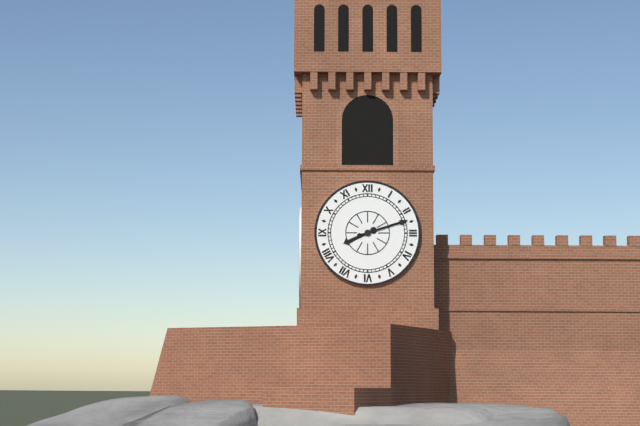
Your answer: **8:12**
